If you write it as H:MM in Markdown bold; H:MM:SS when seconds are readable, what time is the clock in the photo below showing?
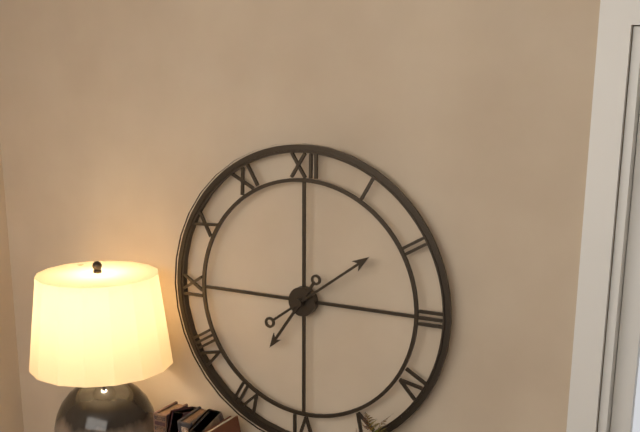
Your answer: **7:09**
